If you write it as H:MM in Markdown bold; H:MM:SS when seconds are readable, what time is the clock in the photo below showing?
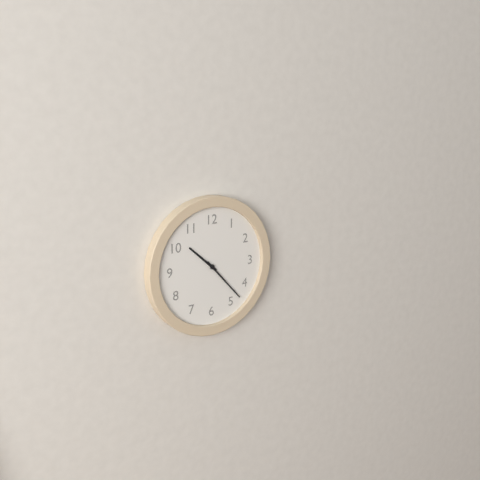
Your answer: **10:23**
